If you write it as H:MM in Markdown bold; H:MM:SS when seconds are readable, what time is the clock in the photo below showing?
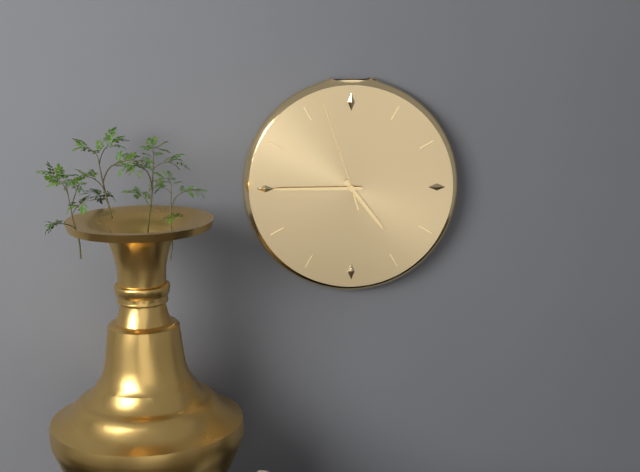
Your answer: **4:45:57**
